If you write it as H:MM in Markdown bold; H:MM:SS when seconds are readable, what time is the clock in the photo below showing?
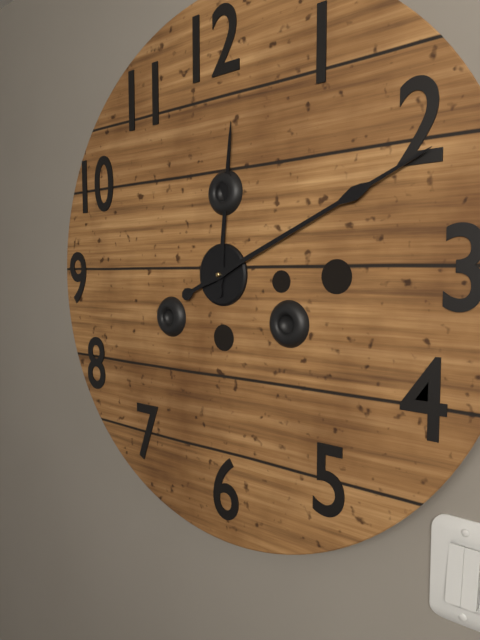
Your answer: **12:11**
